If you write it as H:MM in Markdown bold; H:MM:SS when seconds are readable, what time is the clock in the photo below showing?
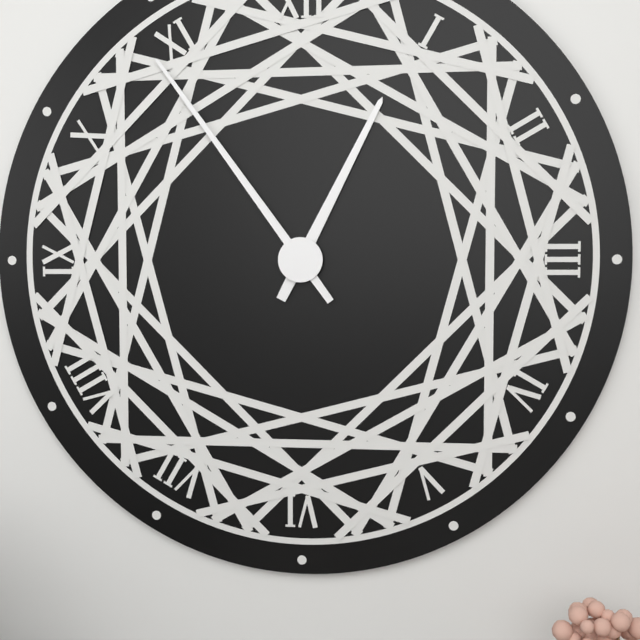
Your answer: **12:54**
